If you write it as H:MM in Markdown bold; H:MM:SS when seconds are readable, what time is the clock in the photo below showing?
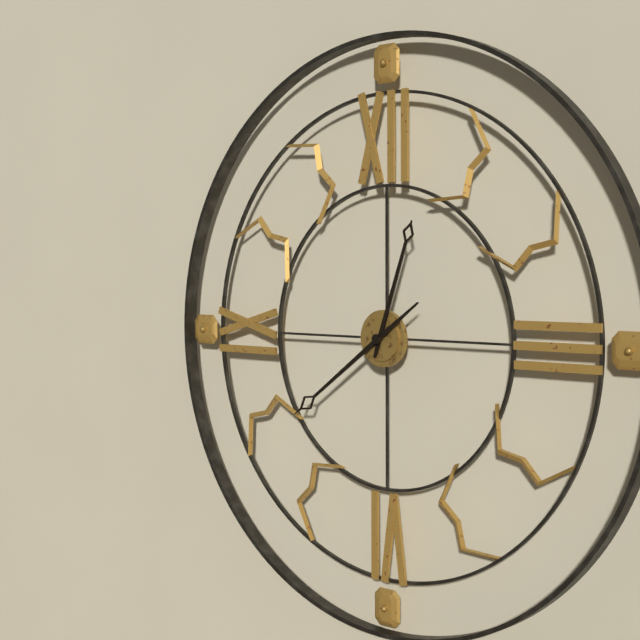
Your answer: **12:39**
